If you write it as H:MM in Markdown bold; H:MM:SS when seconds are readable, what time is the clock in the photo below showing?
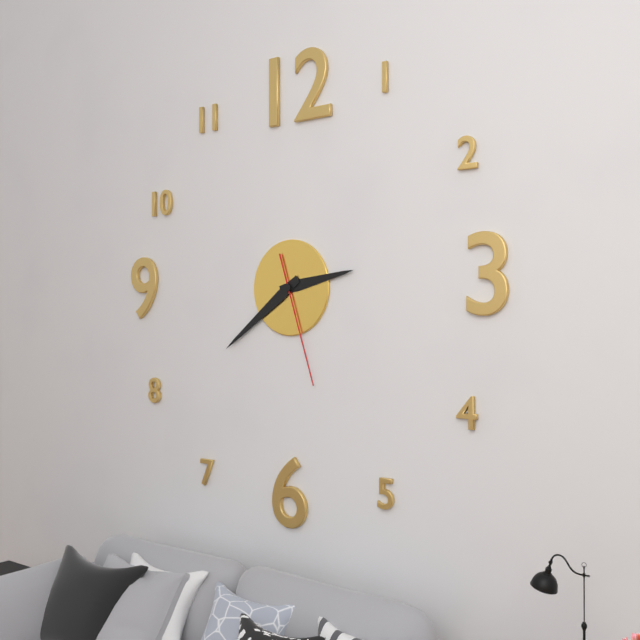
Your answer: **2:39:27**
